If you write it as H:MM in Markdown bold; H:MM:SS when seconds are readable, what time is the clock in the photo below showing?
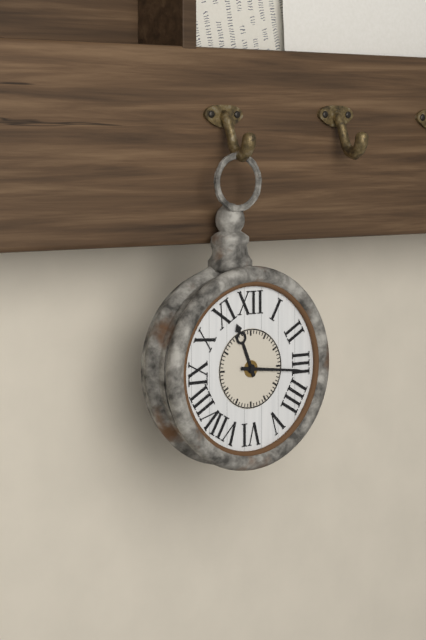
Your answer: **11:16**
